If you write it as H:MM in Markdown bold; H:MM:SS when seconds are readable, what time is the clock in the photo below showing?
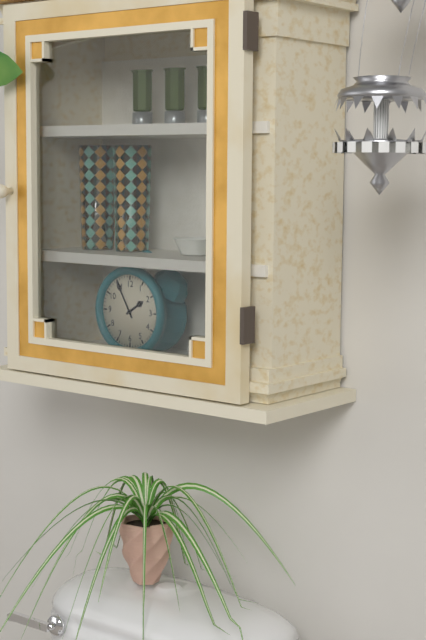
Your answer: **1:55**
